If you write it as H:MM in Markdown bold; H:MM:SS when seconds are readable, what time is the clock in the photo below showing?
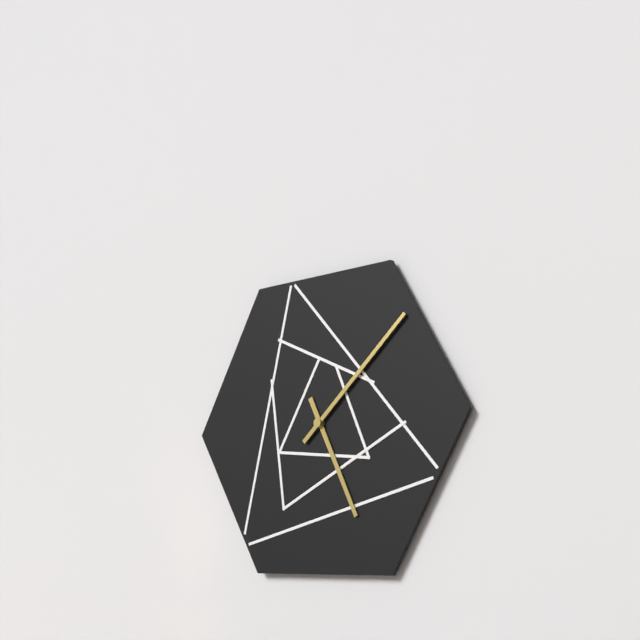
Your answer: **5:08**
